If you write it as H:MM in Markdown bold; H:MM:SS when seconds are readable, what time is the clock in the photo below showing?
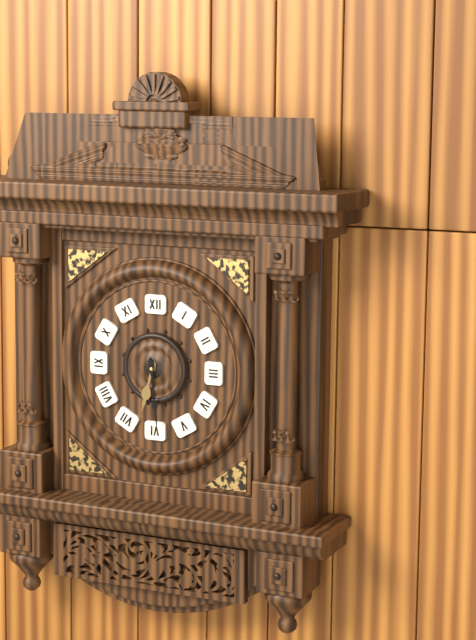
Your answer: **6:29**
